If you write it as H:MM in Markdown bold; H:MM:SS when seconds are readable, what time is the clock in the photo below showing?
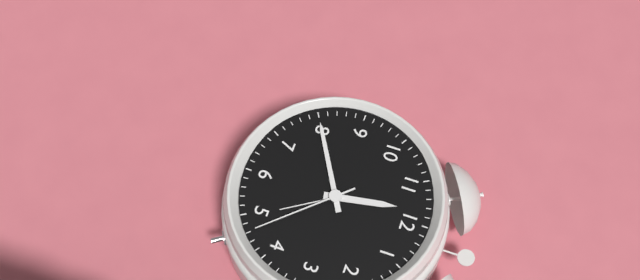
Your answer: **11:40:23**
